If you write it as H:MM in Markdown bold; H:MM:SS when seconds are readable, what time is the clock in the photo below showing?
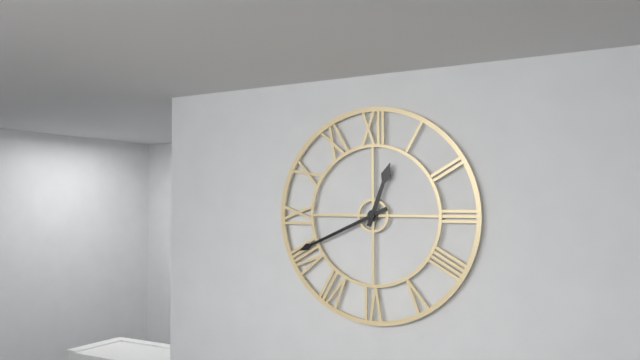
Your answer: **12:41**
